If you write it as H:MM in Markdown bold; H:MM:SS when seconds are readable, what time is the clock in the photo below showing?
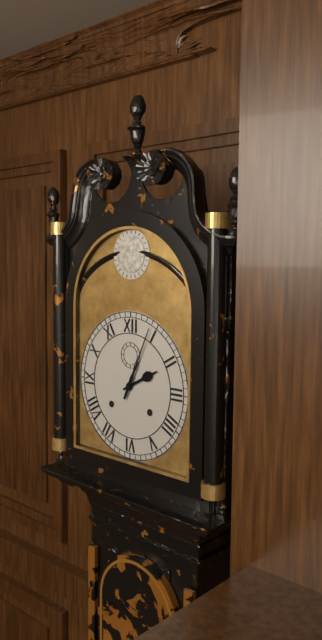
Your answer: **2:04**
